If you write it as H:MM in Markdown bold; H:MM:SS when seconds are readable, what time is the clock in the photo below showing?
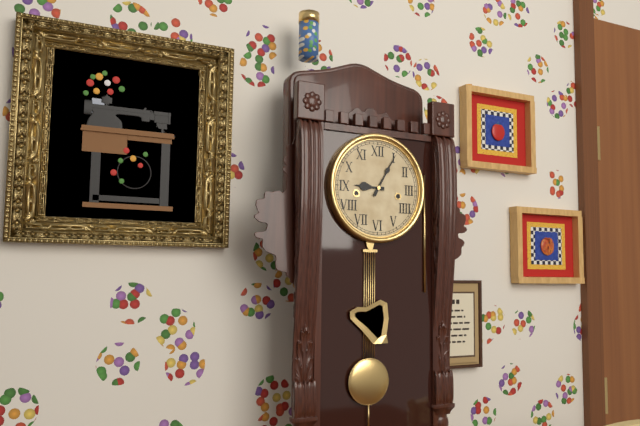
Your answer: **9:05**
